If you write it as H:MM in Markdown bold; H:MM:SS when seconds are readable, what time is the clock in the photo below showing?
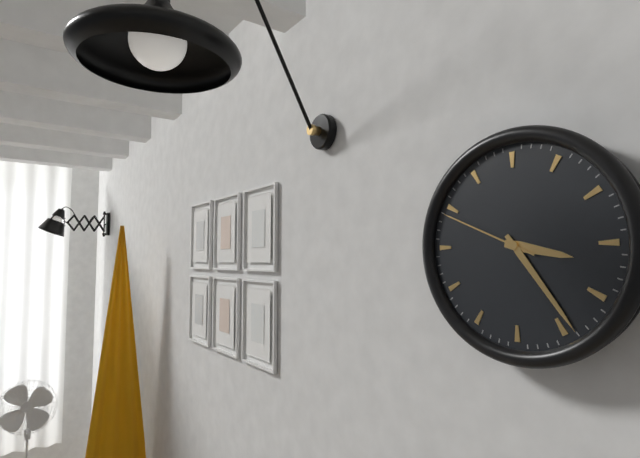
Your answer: **3:24:49**
